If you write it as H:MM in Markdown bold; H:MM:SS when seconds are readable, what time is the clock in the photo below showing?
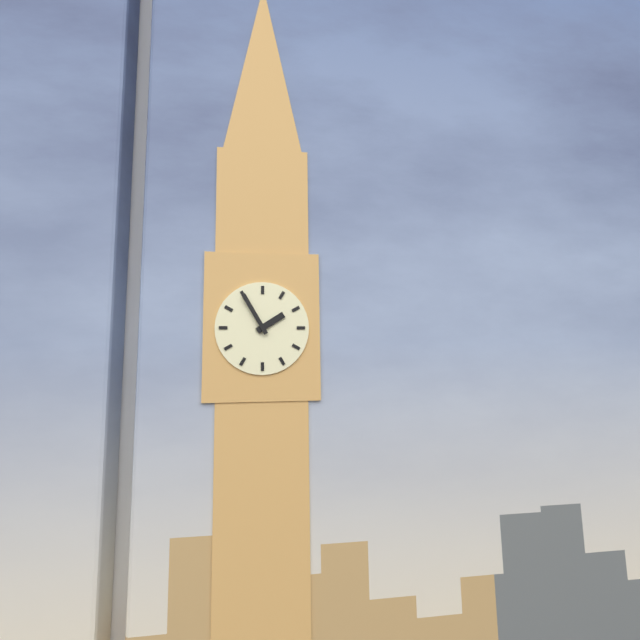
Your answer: **1:55**
